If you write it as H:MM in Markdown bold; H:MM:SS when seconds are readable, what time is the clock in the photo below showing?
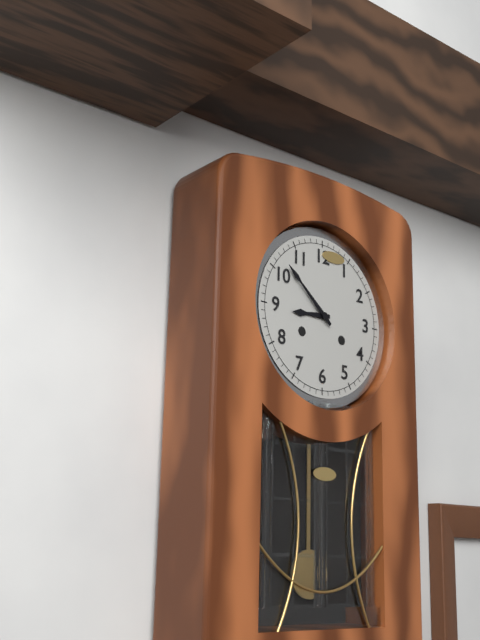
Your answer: **8:52**
